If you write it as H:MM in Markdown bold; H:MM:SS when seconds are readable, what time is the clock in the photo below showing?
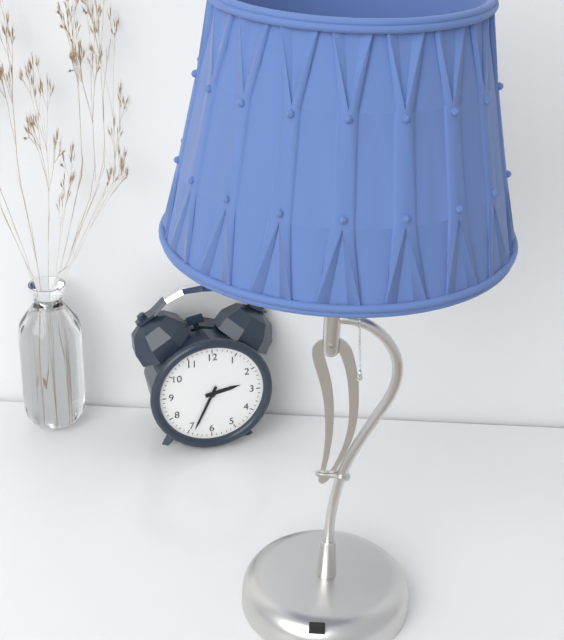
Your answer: **2:34**
